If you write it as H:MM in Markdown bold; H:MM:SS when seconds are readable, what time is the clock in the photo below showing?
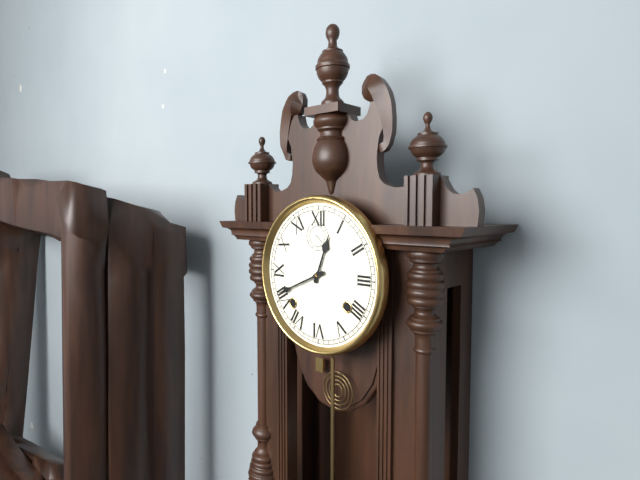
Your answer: **12:41**
